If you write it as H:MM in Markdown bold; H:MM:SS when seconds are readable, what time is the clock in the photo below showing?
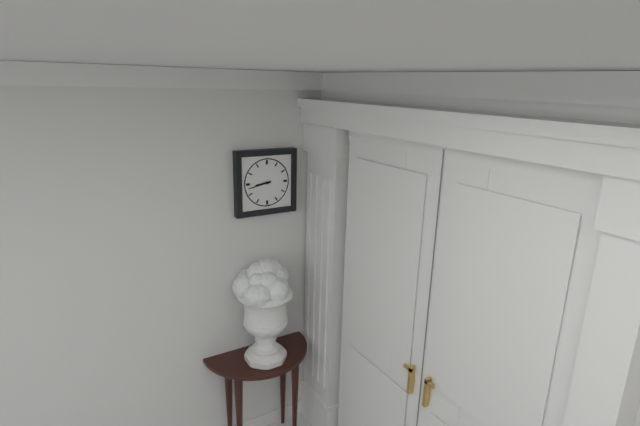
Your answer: **8:43**
